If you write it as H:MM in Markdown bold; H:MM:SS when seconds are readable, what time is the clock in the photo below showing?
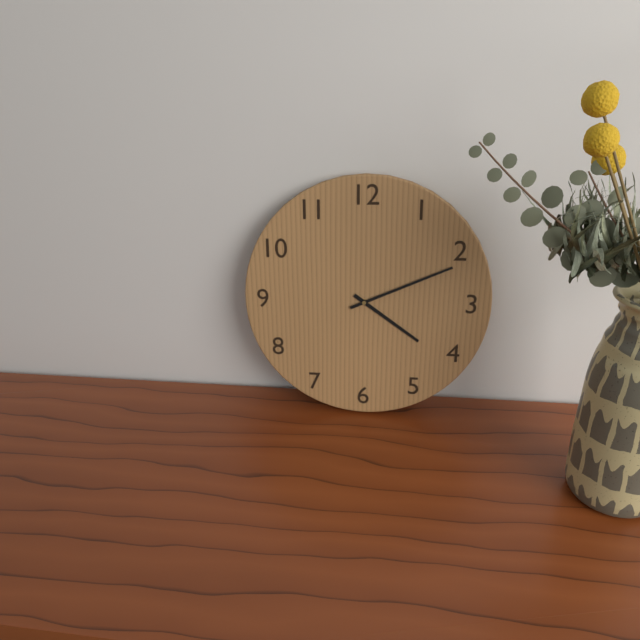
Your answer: **4:11**
